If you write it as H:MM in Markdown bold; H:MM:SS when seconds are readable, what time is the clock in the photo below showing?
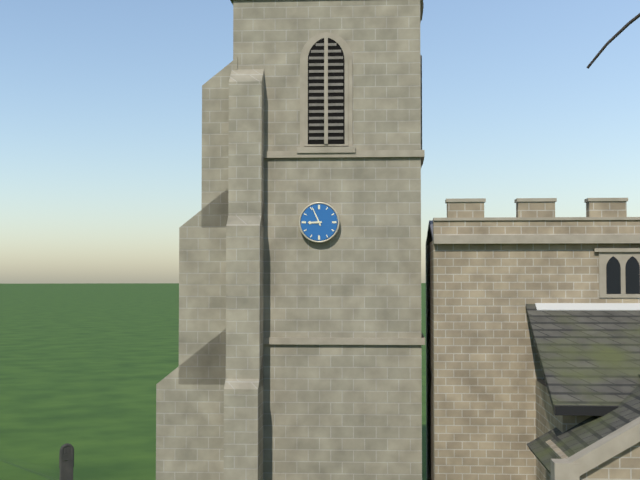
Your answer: **8:56**
